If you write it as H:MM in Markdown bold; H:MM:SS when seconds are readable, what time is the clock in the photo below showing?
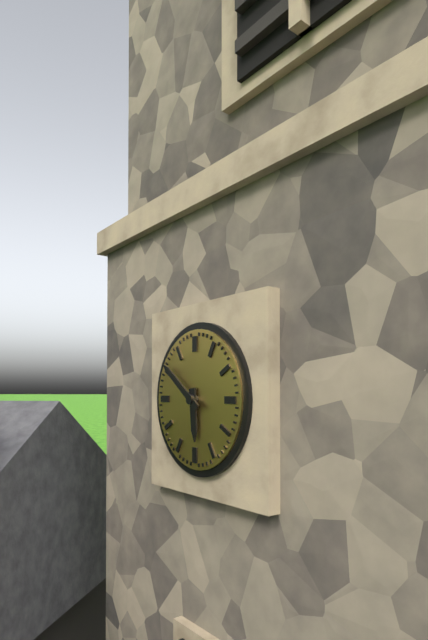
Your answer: **5:51**
